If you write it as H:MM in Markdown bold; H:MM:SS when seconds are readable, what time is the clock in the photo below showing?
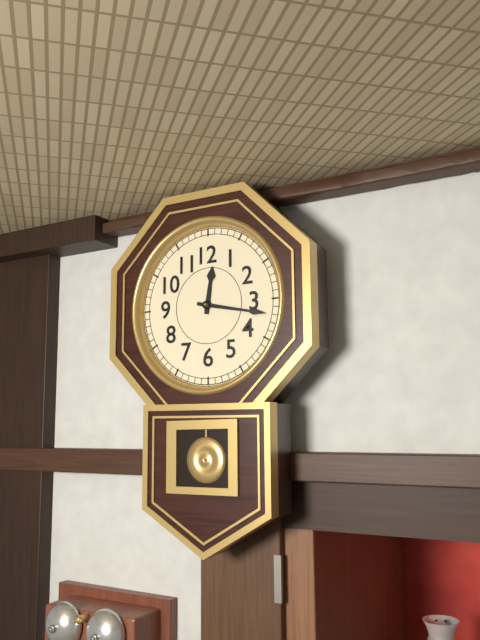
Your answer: **12:17**
